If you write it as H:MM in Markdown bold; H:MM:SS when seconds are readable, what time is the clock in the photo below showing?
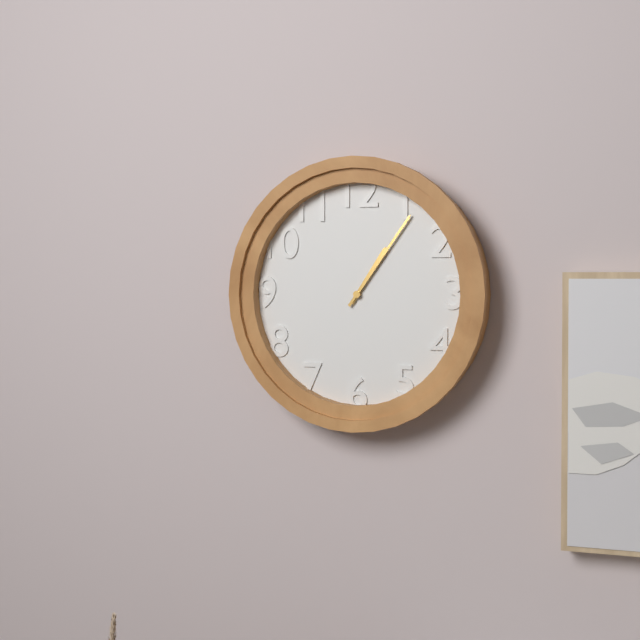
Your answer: **1:06**
